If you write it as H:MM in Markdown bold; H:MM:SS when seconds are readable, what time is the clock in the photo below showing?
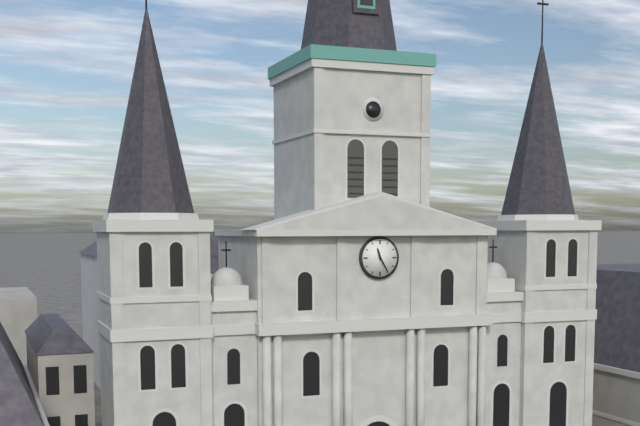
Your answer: **11:25**
